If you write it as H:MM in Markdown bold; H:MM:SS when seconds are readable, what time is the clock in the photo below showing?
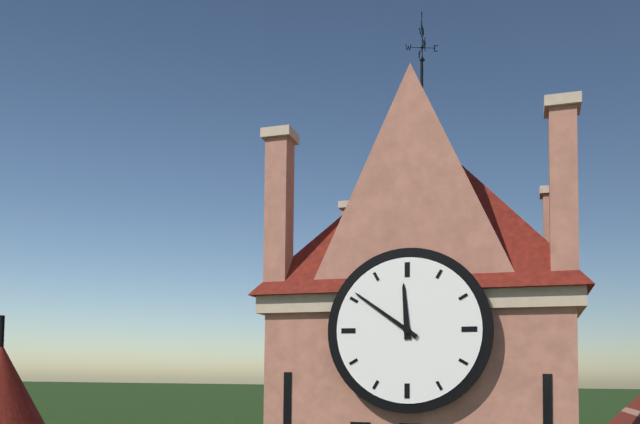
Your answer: **11:51**
